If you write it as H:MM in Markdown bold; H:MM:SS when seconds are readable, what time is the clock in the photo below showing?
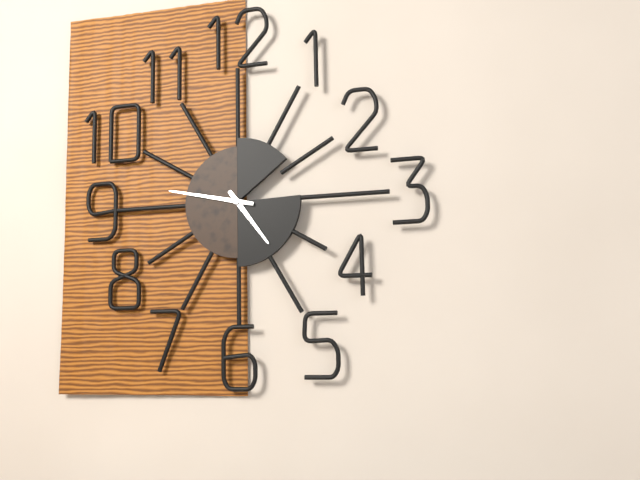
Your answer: **4:47**
